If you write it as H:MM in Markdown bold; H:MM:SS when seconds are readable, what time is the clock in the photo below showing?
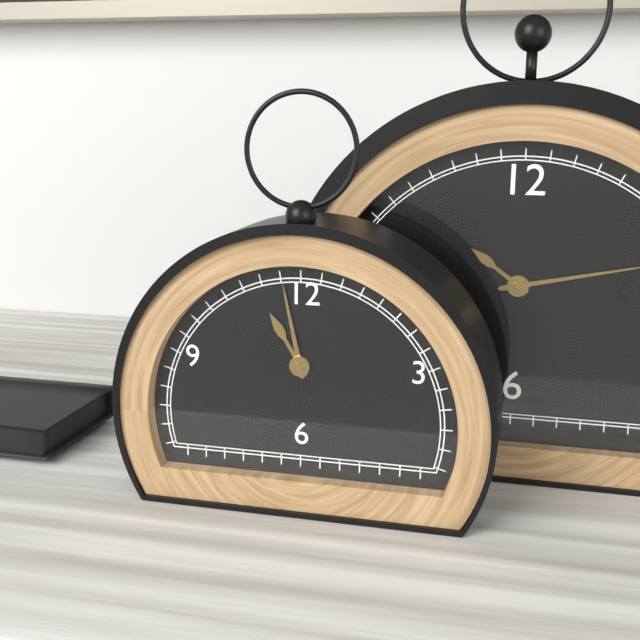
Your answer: **10:58**
